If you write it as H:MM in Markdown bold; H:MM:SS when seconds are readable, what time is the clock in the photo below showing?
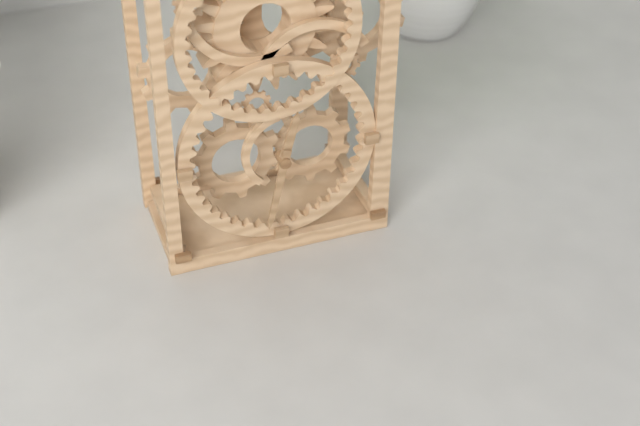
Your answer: **12:32**
